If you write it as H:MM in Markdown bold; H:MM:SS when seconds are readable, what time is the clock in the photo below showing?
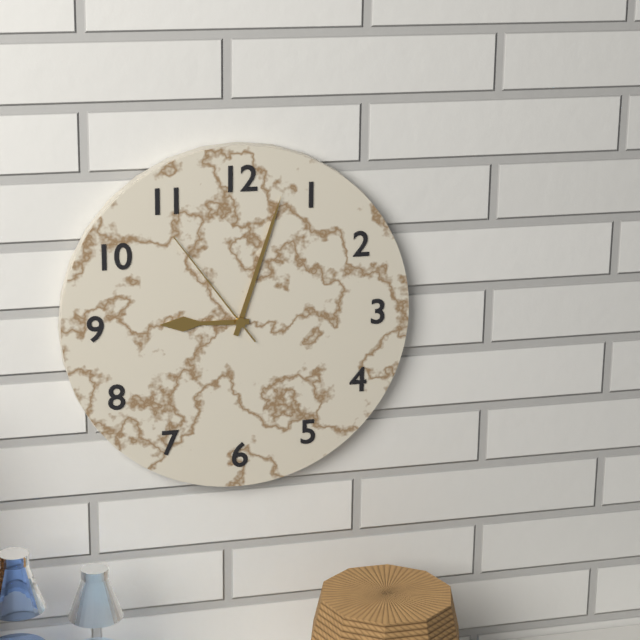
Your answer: **9:03:54**
